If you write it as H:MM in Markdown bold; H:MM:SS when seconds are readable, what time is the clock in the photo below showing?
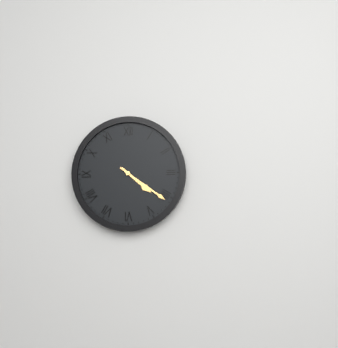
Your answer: **4:21**
